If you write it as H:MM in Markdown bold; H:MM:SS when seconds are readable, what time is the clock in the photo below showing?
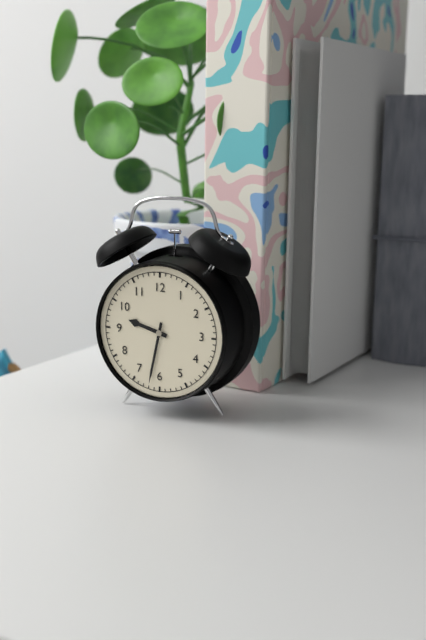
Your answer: **9:32**
